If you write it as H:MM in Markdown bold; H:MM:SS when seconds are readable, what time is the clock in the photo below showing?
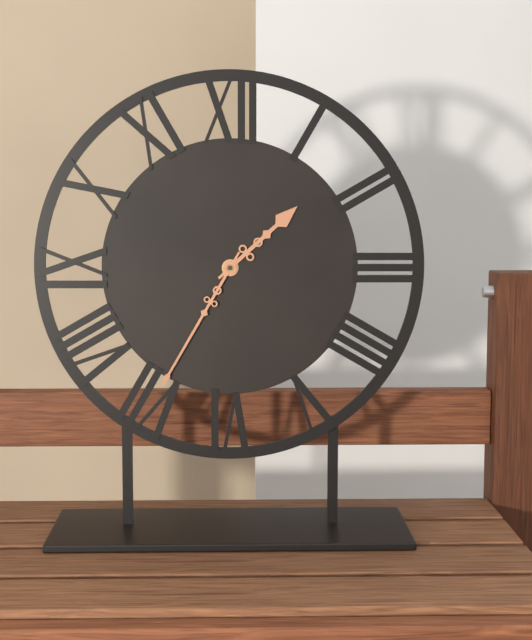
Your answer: **1:35**
